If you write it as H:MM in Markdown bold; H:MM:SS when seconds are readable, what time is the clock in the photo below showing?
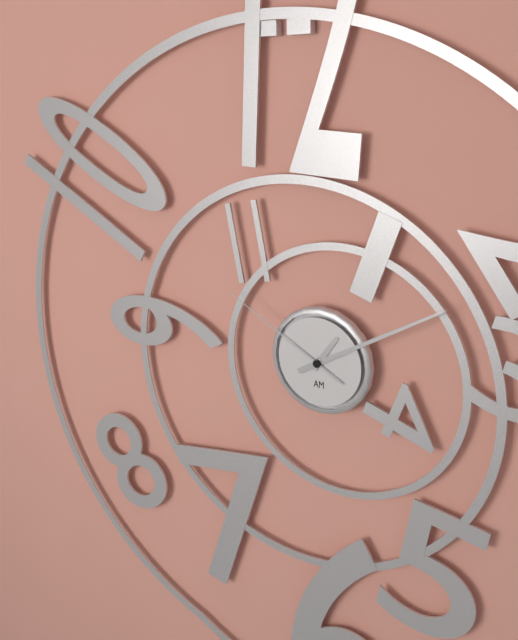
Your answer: **1:10:50**
